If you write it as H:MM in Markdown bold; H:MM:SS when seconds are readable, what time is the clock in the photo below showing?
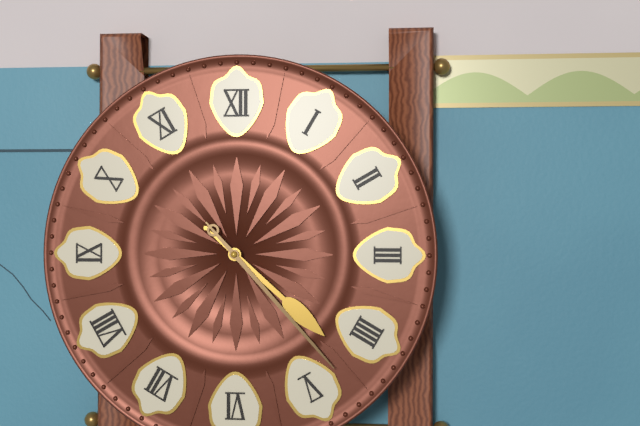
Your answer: **4:23**
